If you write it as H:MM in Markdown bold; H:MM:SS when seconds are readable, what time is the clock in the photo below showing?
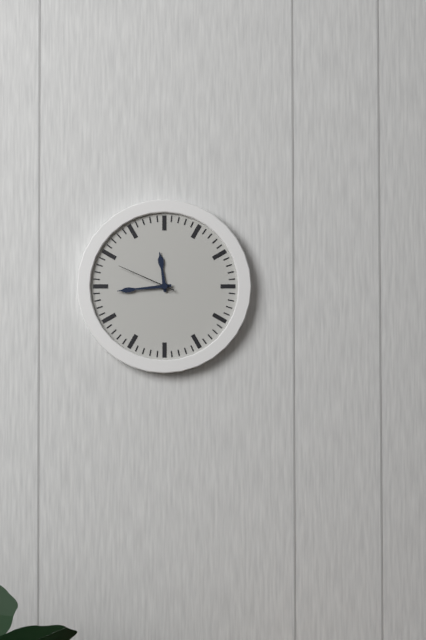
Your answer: **11:44:49**
